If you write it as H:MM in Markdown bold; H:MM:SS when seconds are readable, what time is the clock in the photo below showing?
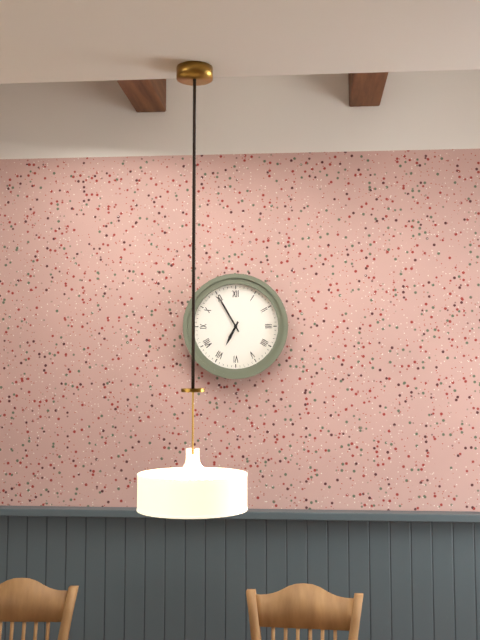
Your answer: **6:55**
